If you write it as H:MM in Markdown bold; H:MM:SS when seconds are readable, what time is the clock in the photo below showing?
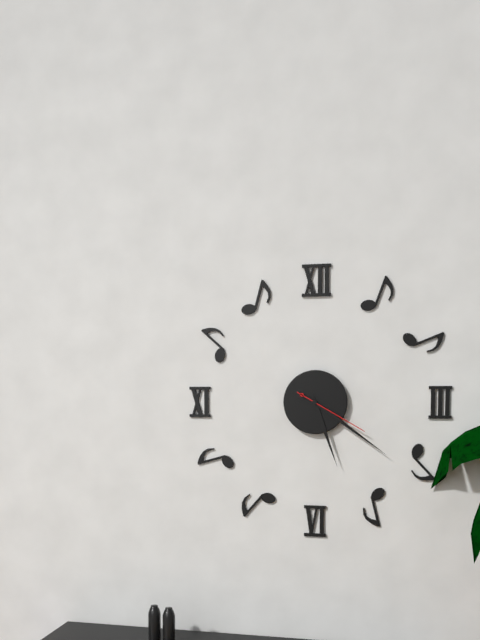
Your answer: **5:21:20**
